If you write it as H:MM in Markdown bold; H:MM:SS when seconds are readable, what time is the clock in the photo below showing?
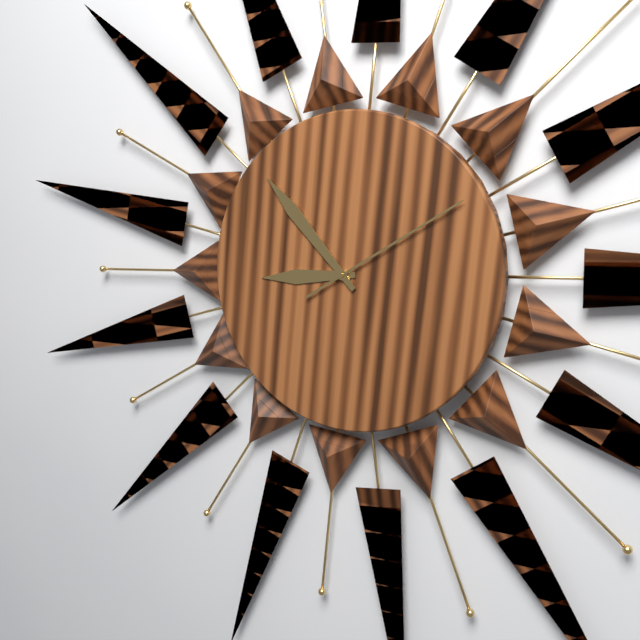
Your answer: **8:53:10**
